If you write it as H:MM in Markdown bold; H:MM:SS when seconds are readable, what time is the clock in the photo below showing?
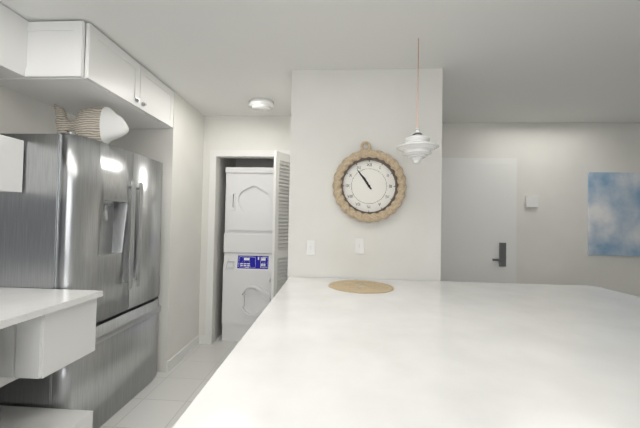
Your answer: **10:54**
